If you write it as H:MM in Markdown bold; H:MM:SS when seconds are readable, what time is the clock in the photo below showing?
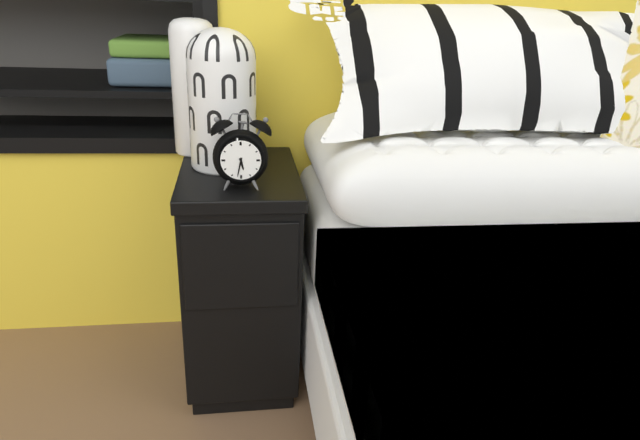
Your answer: **5:32**
